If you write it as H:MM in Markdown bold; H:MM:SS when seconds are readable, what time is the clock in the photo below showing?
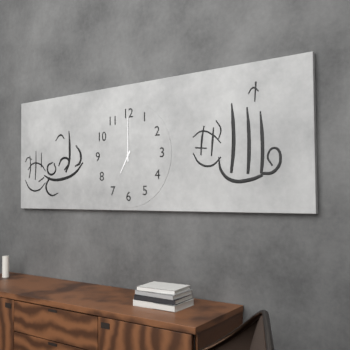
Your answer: **7:00**
